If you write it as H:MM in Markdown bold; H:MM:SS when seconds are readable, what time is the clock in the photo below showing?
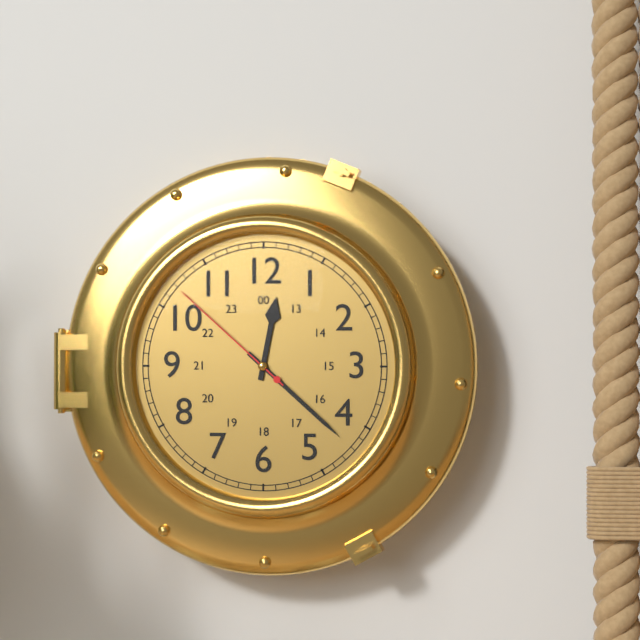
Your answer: **12:22:52**
